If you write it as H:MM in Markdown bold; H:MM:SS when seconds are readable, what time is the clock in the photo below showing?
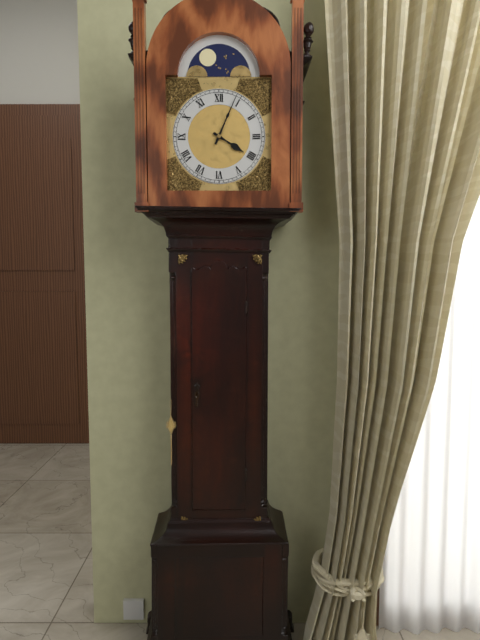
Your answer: **4:04**
